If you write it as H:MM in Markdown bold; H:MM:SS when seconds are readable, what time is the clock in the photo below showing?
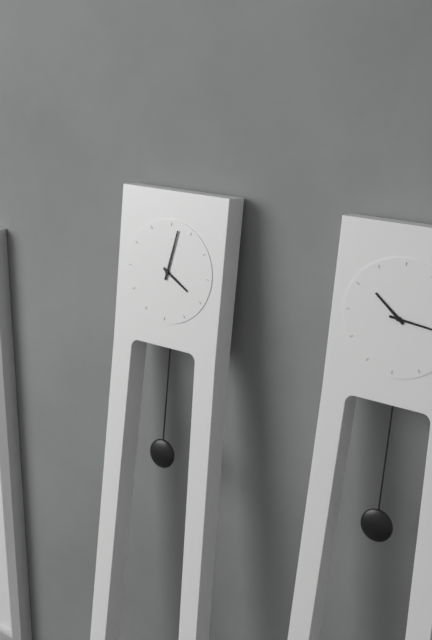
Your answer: **4:02**
